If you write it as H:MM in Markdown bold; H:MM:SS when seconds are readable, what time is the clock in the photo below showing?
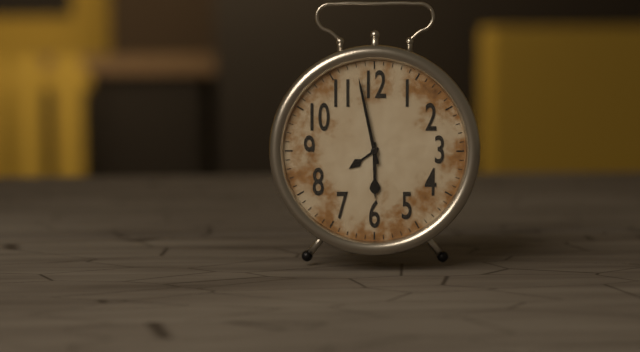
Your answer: **5:58**
